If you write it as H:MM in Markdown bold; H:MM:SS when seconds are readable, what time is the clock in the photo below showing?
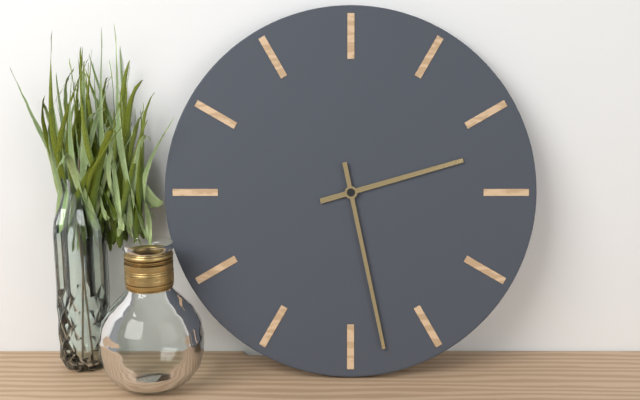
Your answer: **2:28**
